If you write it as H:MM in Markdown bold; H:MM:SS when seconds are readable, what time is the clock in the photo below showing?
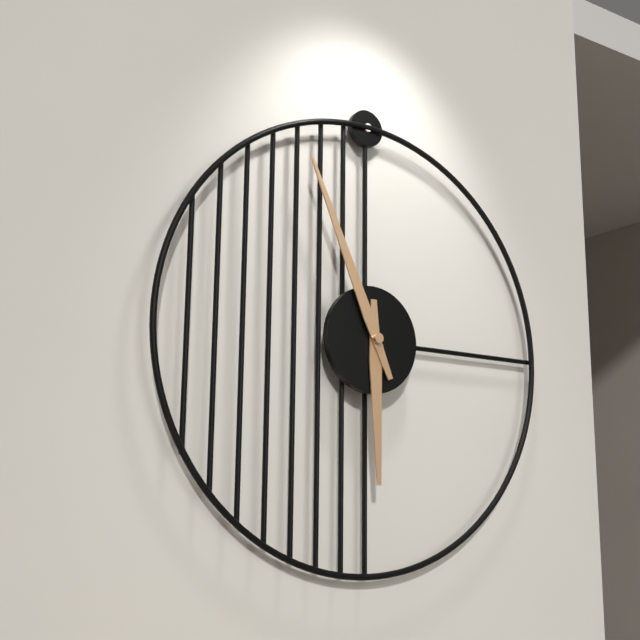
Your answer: **5:56**
